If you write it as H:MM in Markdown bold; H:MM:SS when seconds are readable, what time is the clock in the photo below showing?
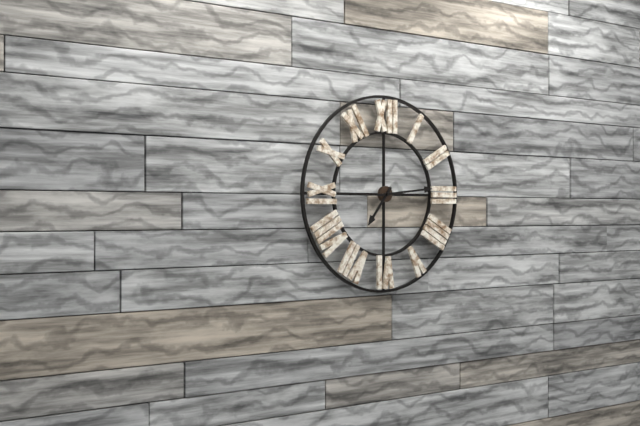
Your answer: **7:14**
